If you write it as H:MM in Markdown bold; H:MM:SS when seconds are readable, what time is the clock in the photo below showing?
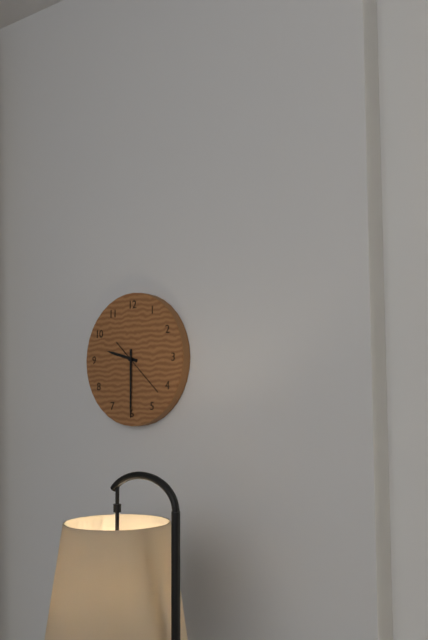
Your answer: **9:30:22**
